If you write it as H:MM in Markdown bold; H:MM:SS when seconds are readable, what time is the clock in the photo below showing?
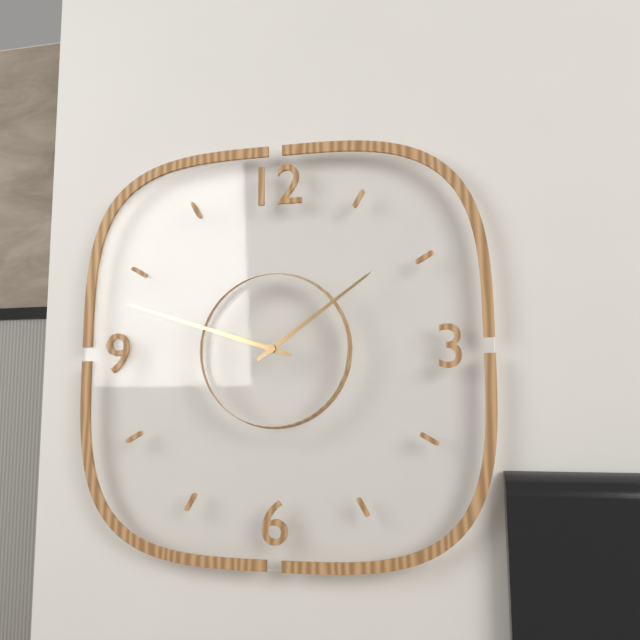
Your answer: **1:48**
